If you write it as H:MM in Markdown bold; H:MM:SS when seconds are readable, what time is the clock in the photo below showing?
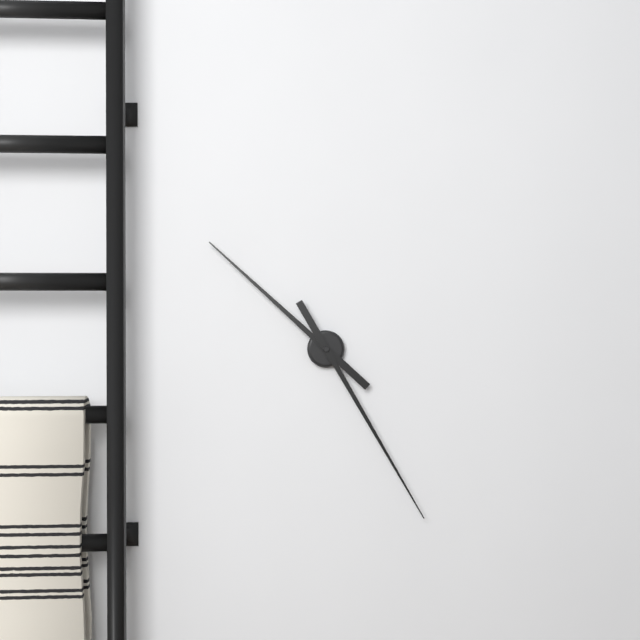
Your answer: **10:25**
